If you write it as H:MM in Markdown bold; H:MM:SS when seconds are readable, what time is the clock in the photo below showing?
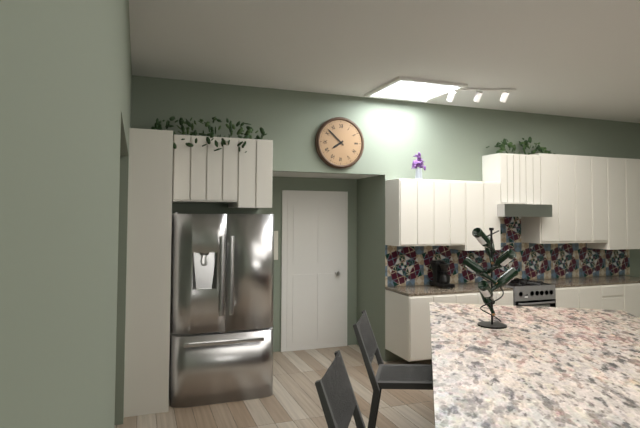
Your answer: **7:52**
